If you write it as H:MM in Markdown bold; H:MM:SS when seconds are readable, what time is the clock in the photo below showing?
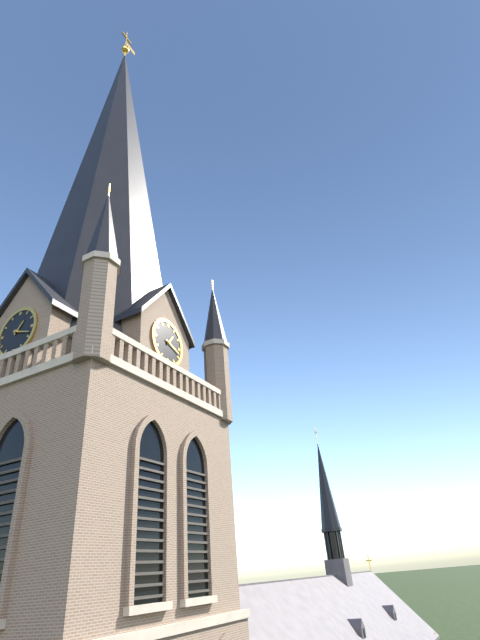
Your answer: **1:18**
